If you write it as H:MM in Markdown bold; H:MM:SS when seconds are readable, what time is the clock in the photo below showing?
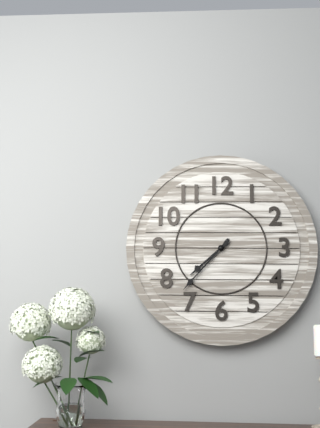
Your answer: **7:37**
